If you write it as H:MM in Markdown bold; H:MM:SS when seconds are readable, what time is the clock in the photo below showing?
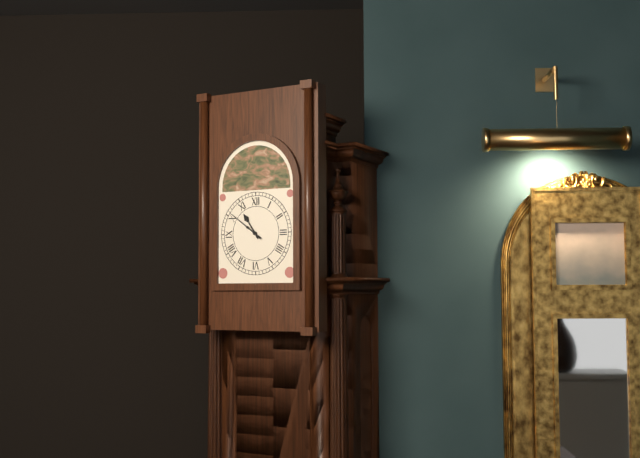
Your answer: **10:51**
